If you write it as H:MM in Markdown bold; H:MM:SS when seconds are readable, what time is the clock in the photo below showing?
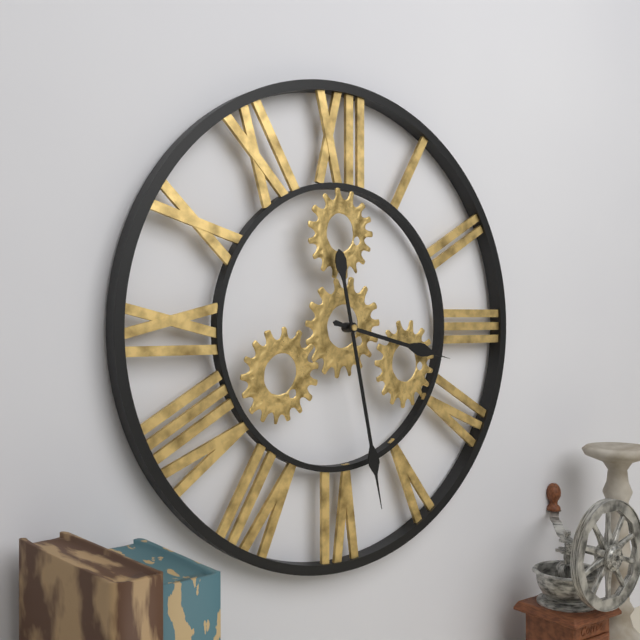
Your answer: **3:28**
